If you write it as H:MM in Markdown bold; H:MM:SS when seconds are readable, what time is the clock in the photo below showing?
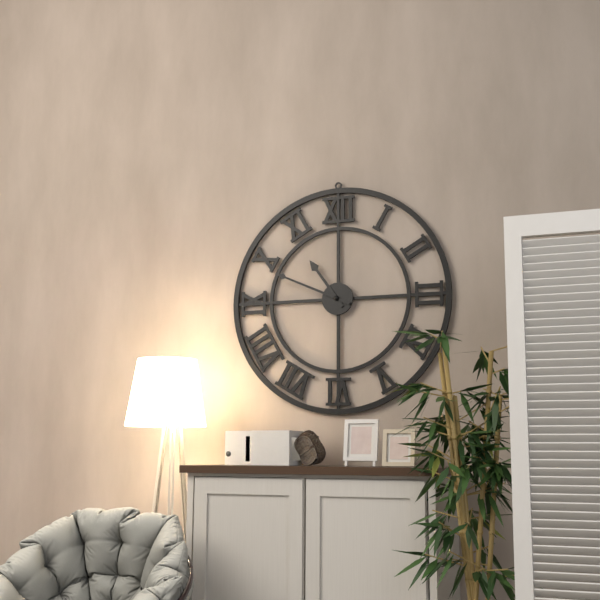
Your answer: **10:49**
